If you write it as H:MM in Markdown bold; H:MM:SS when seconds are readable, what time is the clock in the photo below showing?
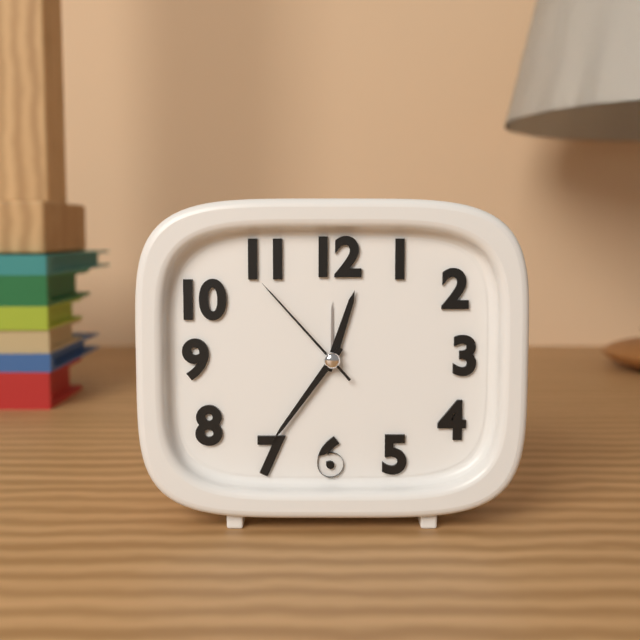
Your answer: **12:36:53**
